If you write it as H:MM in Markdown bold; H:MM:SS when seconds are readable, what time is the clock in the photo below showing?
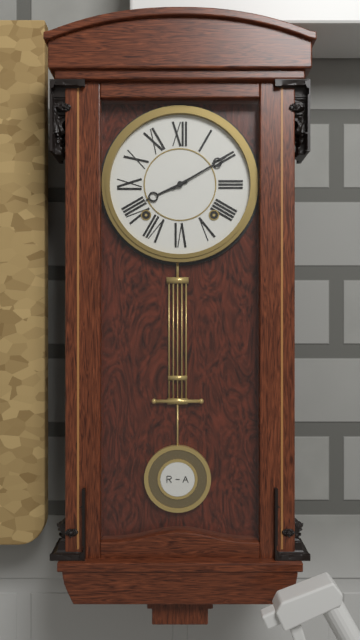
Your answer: **8:10**
